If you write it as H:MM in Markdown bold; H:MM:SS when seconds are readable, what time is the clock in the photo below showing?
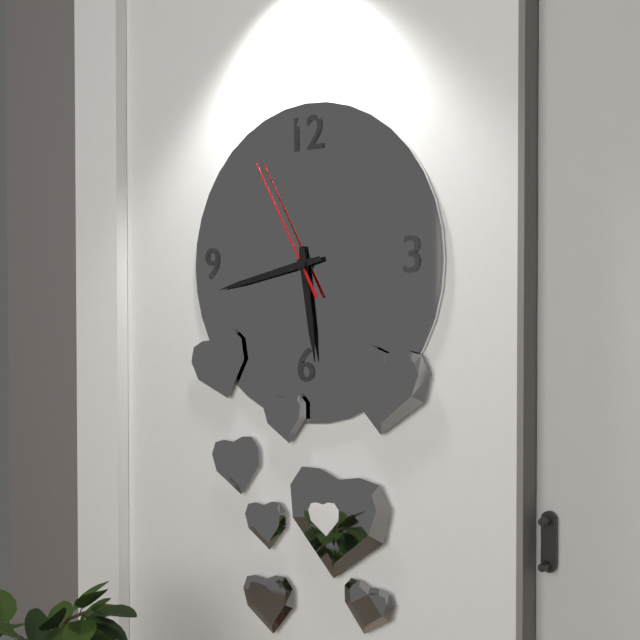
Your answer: **5:43:55**
